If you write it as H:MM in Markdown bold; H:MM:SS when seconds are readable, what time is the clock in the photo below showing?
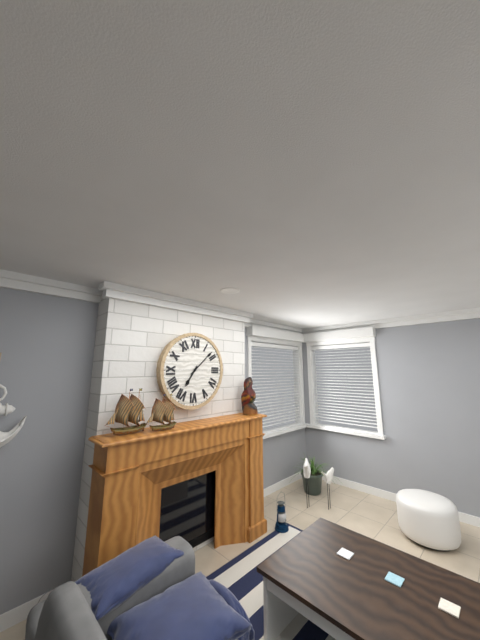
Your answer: **7:08**
